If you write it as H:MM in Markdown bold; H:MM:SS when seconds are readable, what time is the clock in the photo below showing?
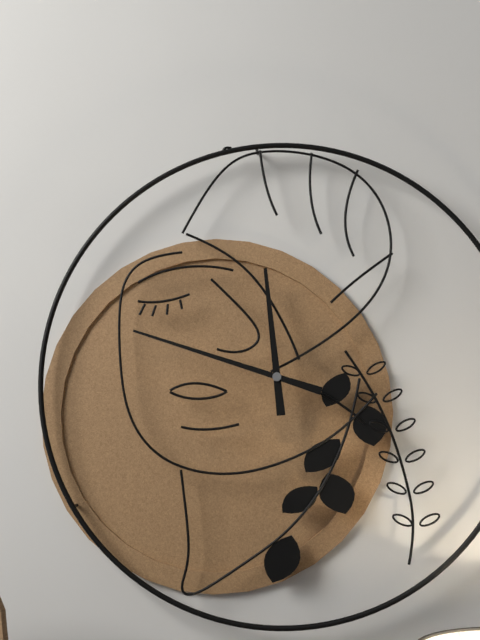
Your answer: **11:48**
